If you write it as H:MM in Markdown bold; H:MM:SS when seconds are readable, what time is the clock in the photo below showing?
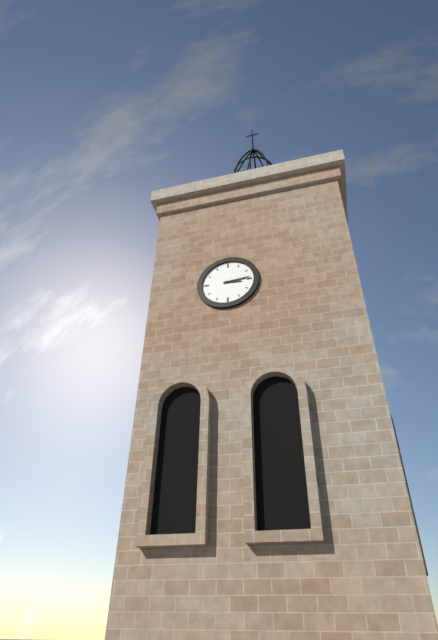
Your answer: **3:14**
